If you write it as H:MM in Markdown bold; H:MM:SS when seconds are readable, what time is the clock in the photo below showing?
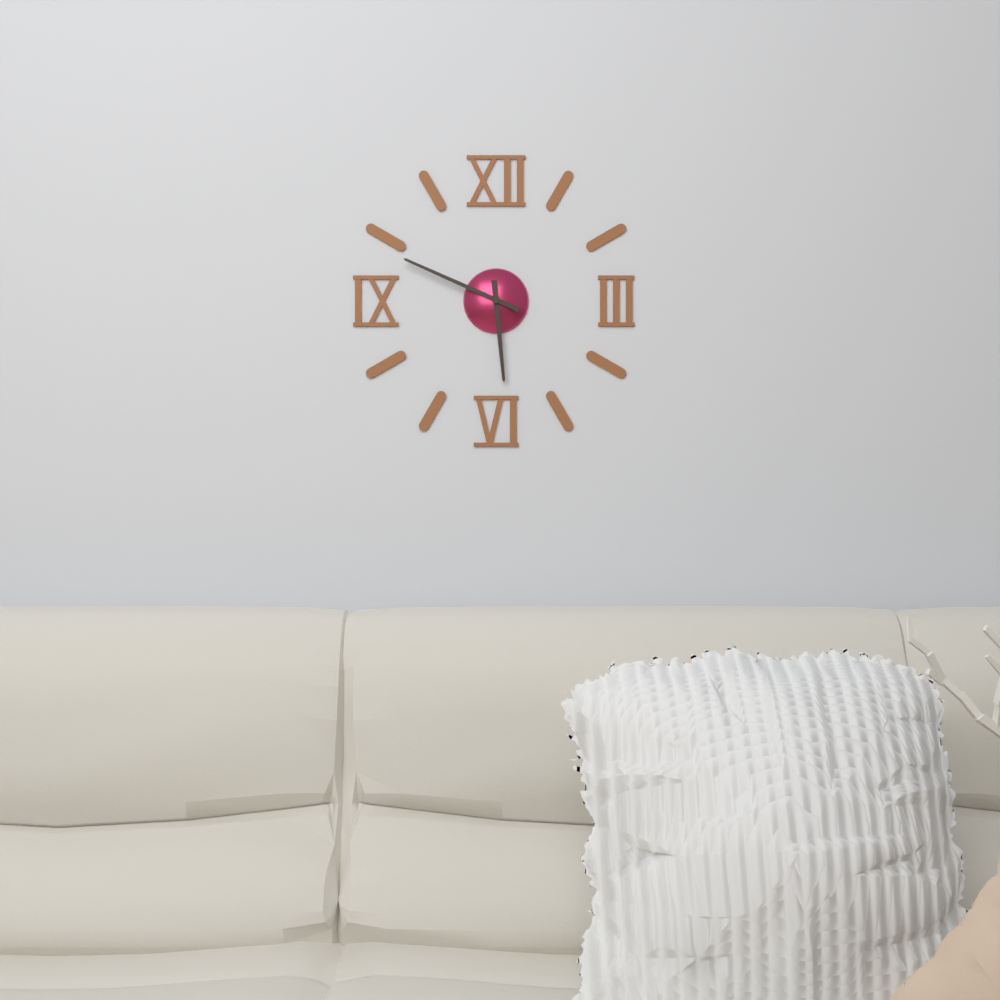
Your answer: **5:49**
